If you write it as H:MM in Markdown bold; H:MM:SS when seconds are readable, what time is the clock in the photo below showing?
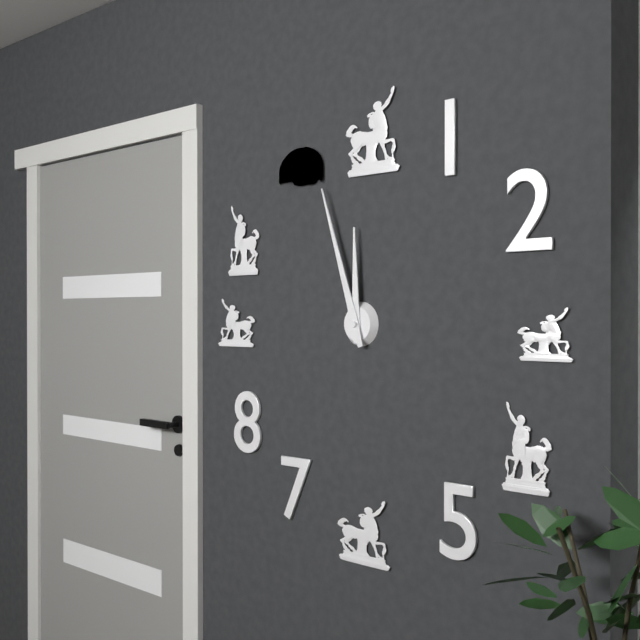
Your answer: **11:57**
